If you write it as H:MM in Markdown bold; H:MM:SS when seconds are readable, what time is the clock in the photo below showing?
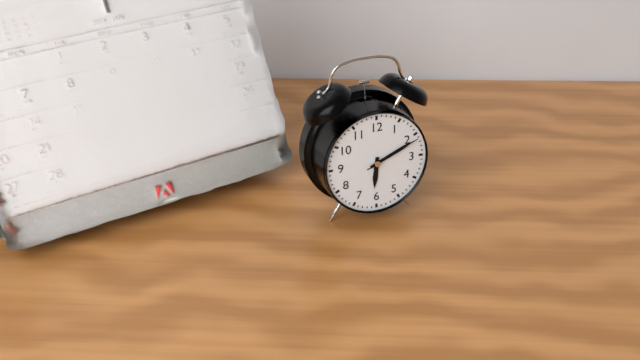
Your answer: **6:11:11**
